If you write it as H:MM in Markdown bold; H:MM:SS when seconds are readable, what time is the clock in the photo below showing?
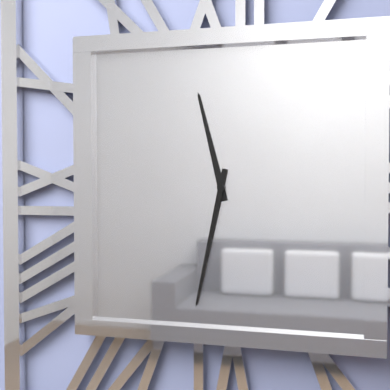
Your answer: **11:32**
